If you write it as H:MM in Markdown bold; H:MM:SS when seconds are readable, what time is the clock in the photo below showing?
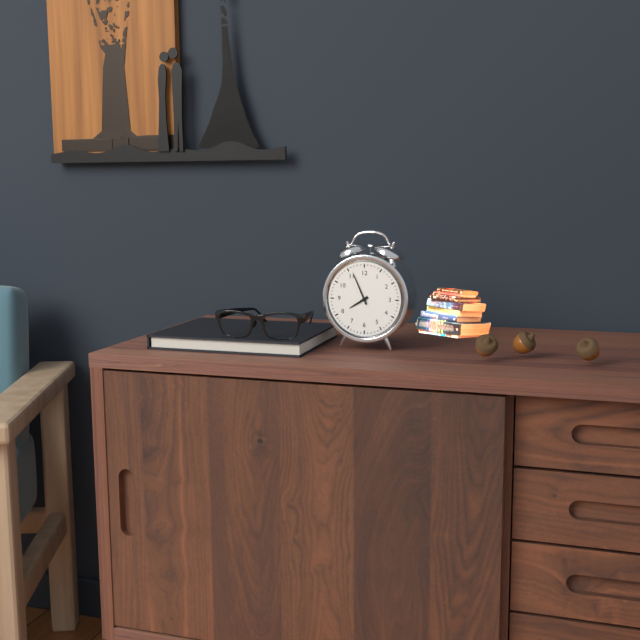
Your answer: **7:56**
